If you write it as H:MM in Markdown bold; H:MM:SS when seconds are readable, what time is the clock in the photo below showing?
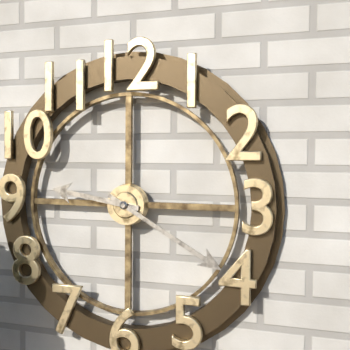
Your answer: **9:20**
